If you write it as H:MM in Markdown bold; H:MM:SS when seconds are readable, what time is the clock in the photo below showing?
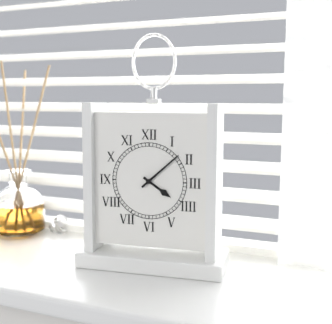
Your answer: **4:08**
